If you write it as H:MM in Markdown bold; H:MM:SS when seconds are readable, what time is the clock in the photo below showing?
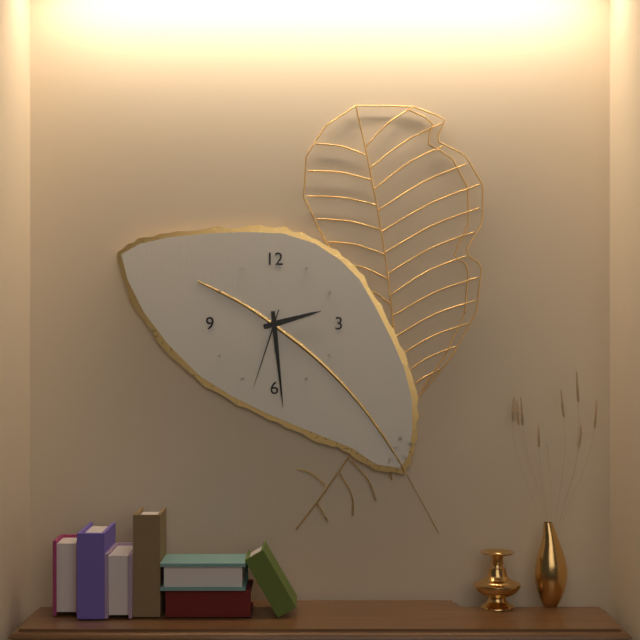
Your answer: **2:29:33**
